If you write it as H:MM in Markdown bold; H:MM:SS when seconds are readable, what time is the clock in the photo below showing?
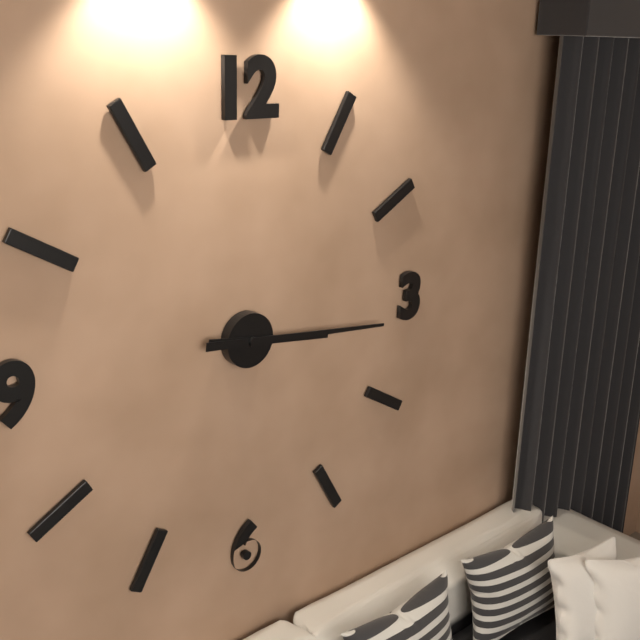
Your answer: **3:16**
